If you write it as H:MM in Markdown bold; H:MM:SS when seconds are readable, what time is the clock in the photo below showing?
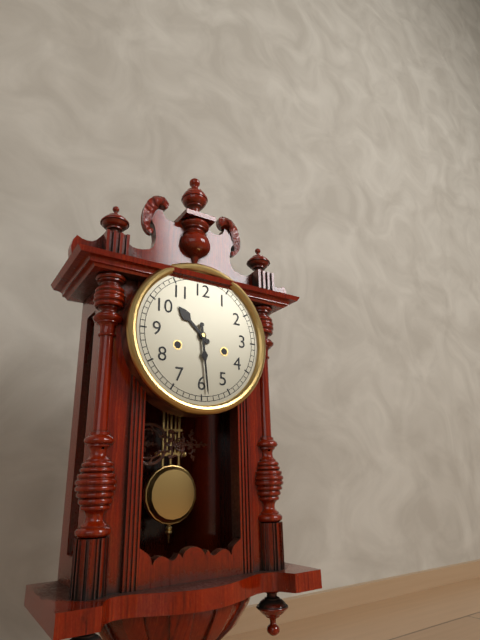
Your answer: **10:29**
